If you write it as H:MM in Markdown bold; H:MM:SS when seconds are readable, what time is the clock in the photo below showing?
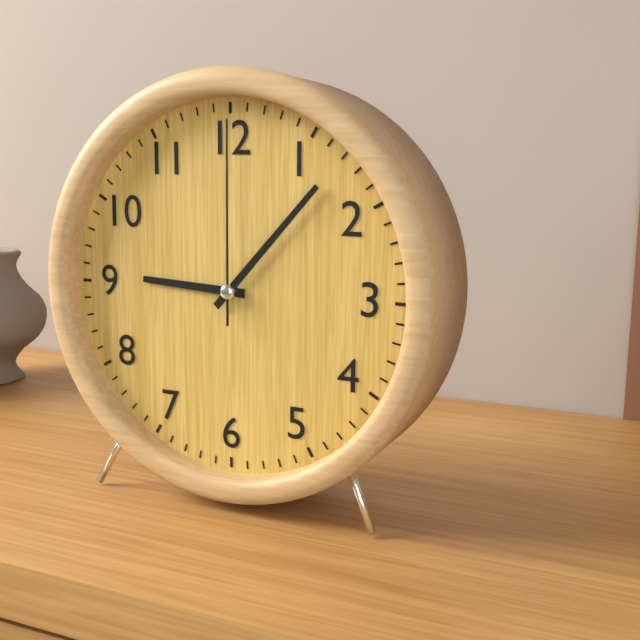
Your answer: **9:07:00**
